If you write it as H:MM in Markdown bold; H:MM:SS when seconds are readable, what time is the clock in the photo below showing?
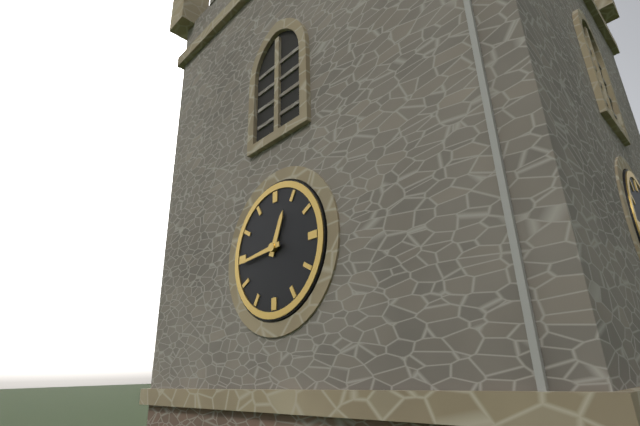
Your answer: **12:44**
